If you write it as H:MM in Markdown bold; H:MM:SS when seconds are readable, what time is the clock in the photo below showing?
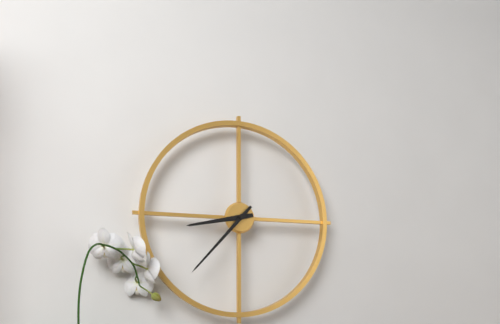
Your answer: **8:37**
